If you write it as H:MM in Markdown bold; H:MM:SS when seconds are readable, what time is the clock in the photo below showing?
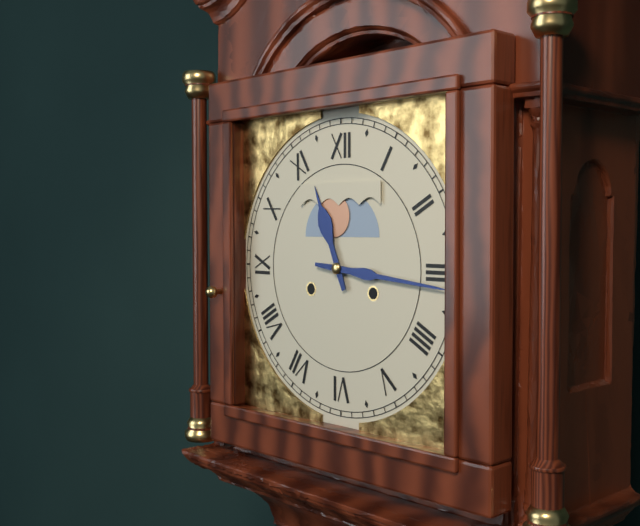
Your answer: **11:16**
